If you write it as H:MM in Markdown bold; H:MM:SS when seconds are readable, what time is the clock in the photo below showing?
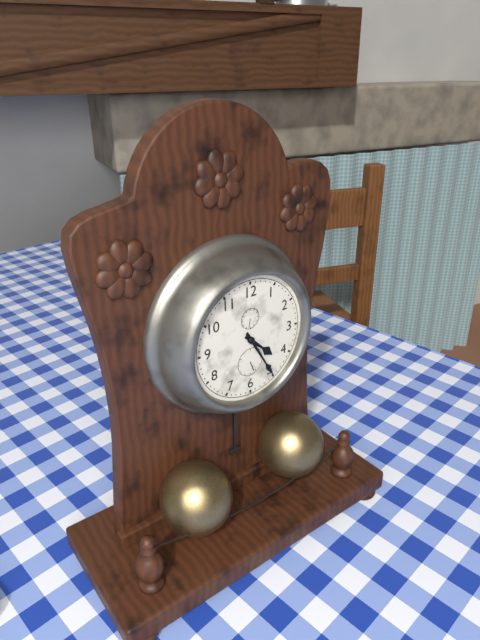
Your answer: **4:25**
